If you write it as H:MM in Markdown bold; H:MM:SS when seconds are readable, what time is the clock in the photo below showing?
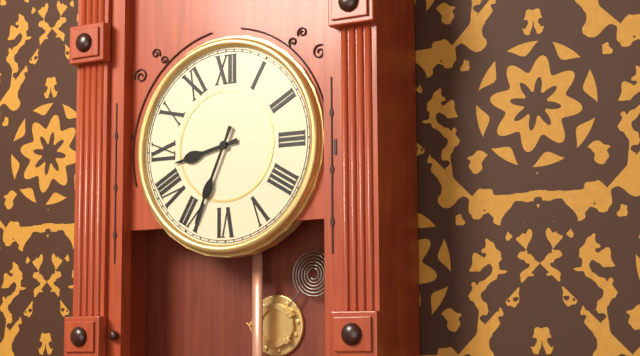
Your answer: **8:34**
